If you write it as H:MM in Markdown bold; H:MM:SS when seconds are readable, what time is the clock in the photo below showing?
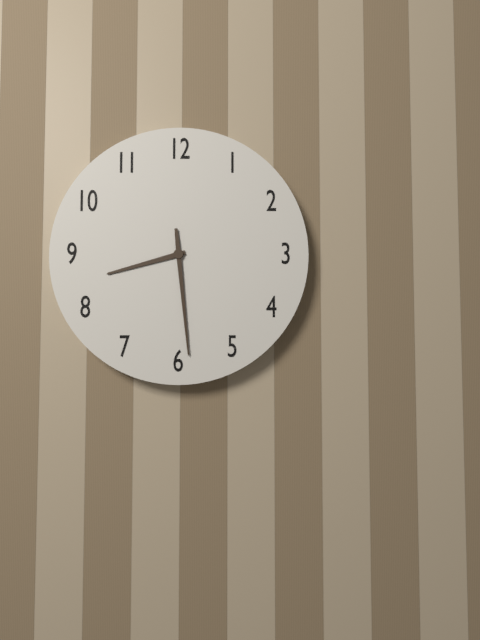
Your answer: **8:29**
